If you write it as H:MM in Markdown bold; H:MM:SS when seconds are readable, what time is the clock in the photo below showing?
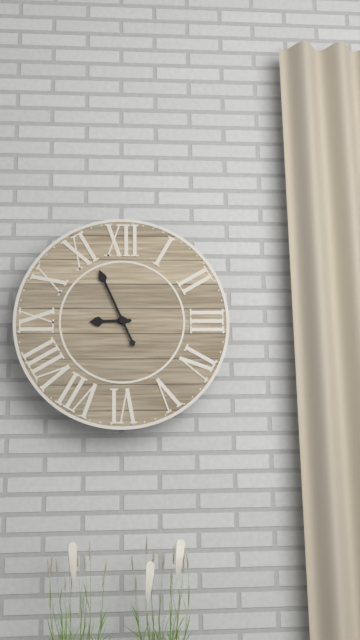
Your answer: **8:56**
